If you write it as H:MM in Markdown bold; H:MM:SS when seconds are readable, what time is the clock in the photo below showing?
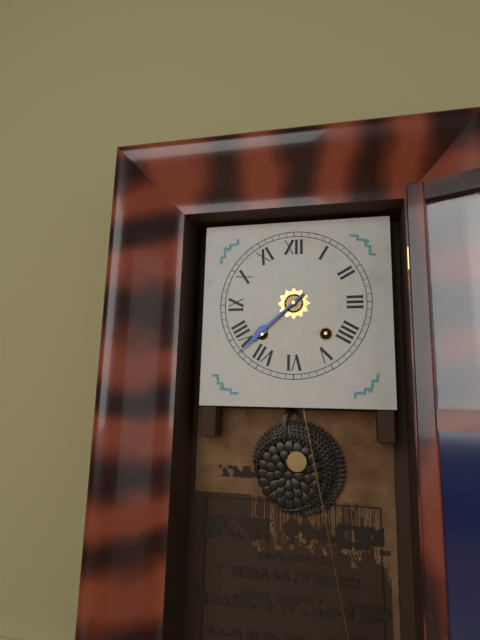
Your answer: **7:38**
